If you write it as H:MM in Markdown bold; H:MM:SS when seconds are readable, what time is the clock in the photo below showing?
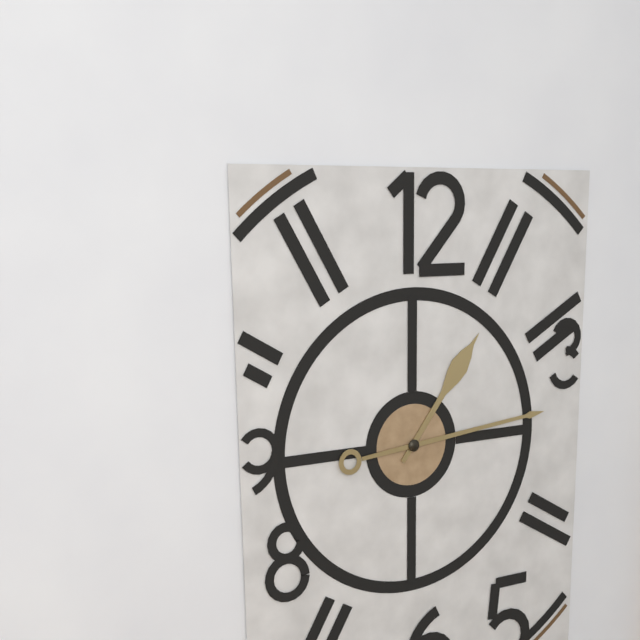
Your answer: **1:14**
